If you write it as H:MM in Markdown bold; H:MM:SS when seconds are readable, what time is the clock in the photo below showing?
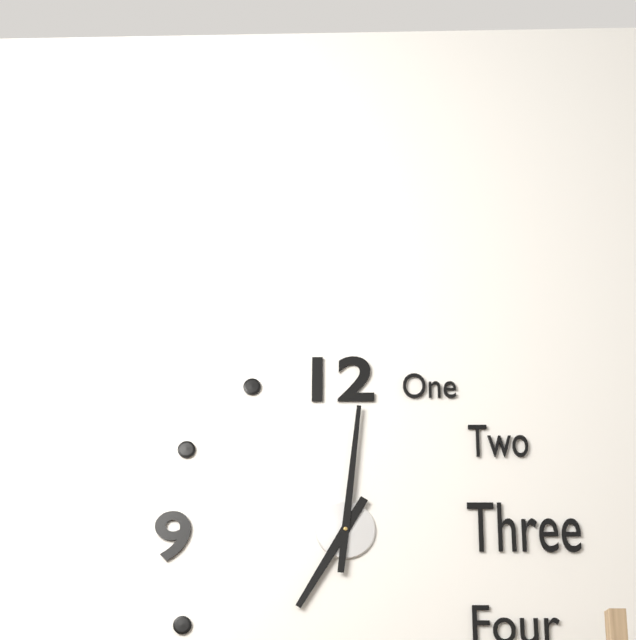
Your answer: **7:01**
